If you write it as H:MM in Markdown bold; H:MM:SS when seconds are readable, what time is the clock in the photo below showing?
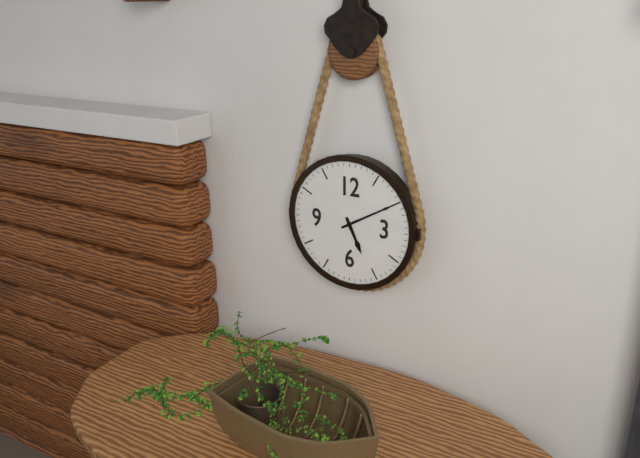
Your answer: **5:10**
